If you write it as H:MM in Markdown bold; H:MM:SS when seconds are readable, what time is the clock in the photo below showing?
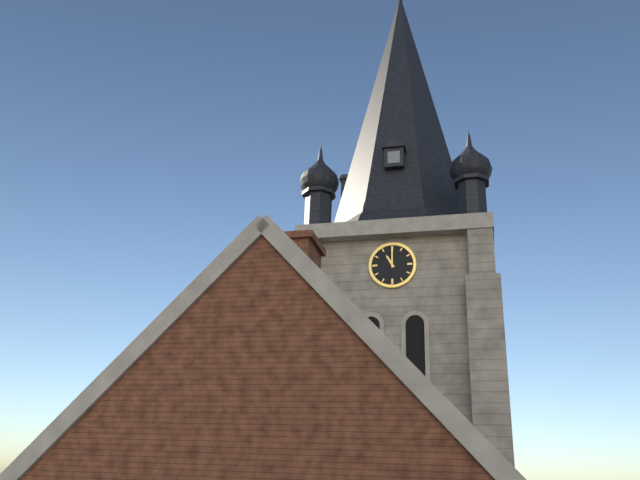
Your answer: **11:00**
